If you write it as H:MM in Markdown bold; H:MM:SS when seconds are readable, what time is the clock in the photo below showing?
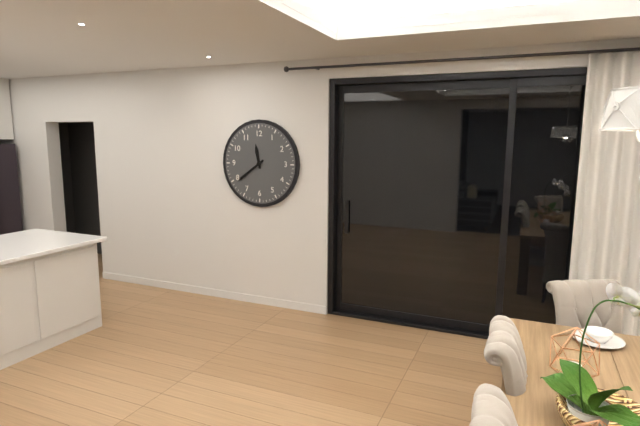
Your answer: **11:39**
